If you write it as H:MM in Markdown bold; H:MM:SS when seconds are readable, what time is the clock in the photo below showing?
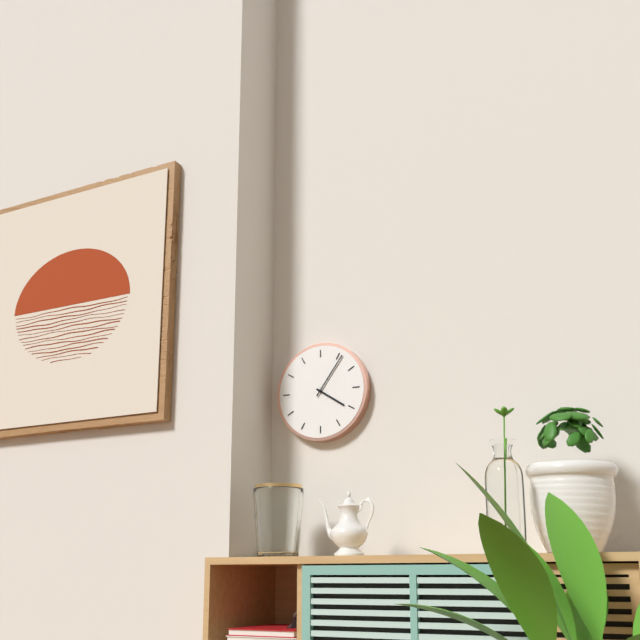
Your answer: **4:06**
